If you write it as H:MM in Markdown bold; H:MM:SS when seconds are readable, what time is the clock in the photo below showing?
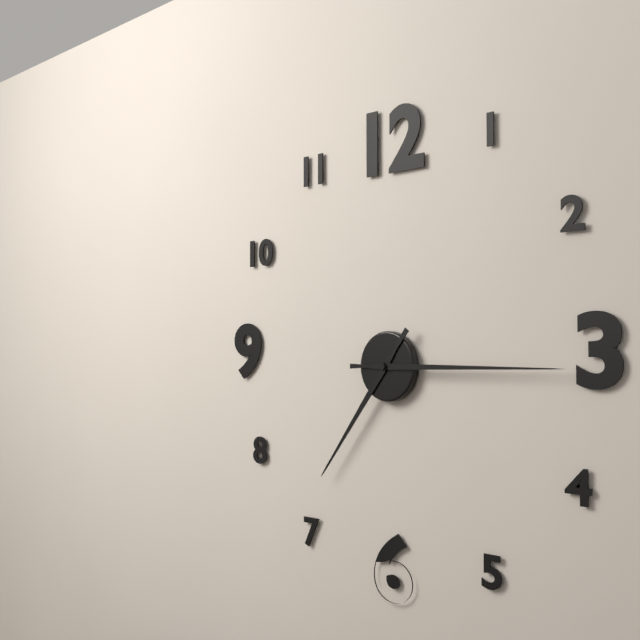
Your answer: **7:15**
